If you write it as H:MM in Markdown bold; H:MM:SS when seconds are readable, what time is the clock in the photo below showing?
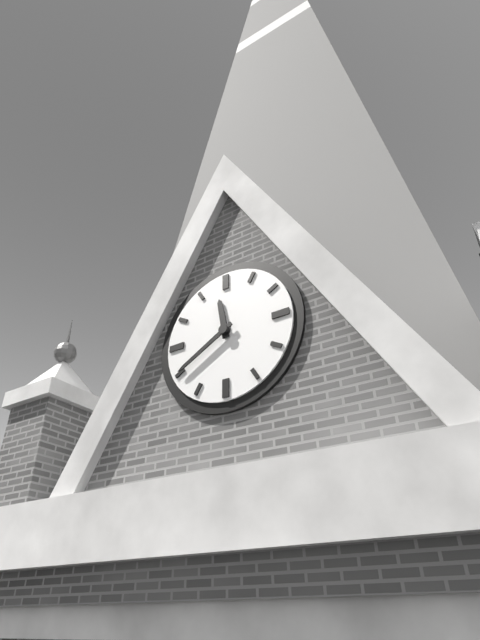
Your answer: **11:40**
